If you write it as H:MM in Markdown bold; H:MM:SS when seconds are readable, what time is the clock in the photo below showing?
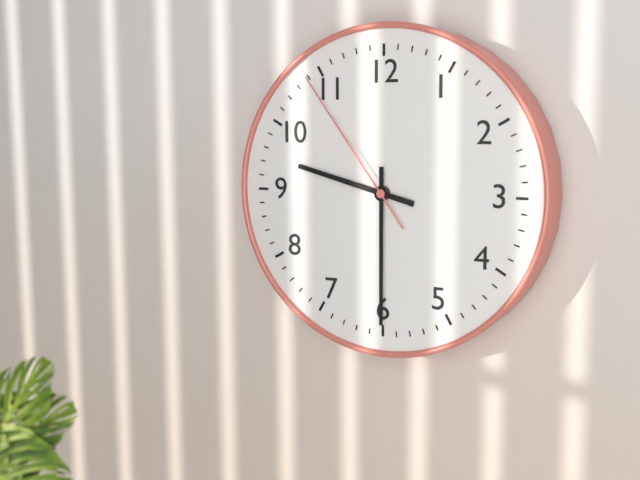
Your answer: **9:30:54**
